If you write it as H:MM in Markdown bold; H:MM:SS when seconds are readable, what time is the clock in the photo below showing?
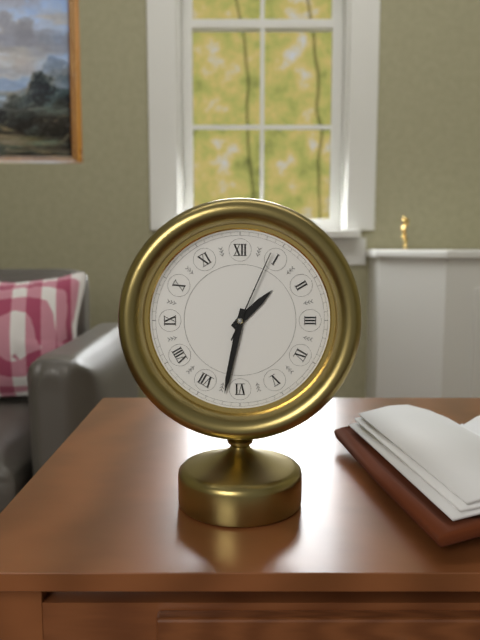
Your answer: **1:32:04**
